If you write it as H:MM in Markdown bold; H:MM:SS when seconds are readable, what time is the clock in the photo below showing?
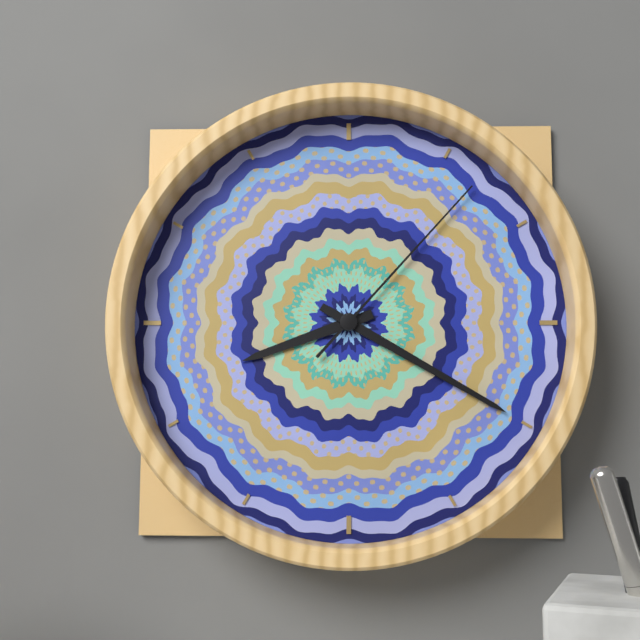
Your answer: **8:20:07**
